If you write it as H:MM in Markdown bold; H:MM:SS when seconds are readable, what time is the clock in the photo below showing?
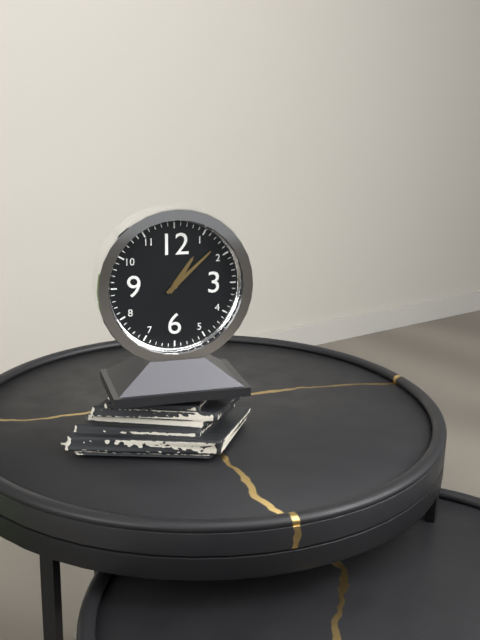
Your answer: **1:08**
